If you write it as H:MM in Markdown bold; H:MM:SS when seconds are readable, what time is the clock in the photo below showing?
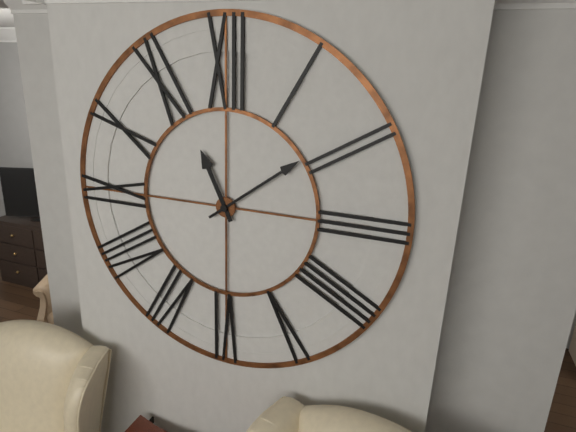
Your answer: **11:09**
